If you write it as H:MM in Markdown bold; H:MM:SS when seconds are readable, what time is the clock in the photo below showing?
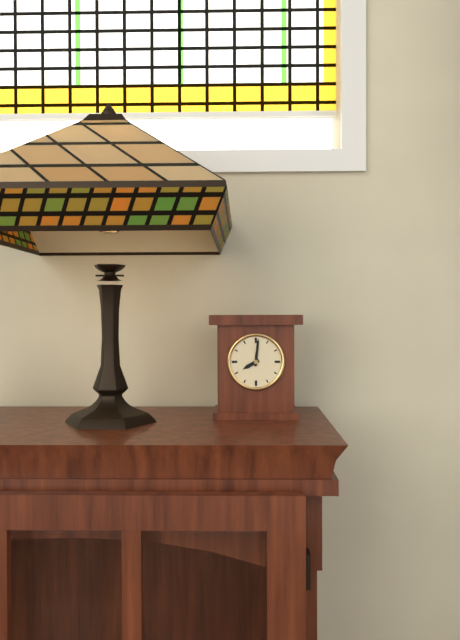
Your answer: **8:01**
